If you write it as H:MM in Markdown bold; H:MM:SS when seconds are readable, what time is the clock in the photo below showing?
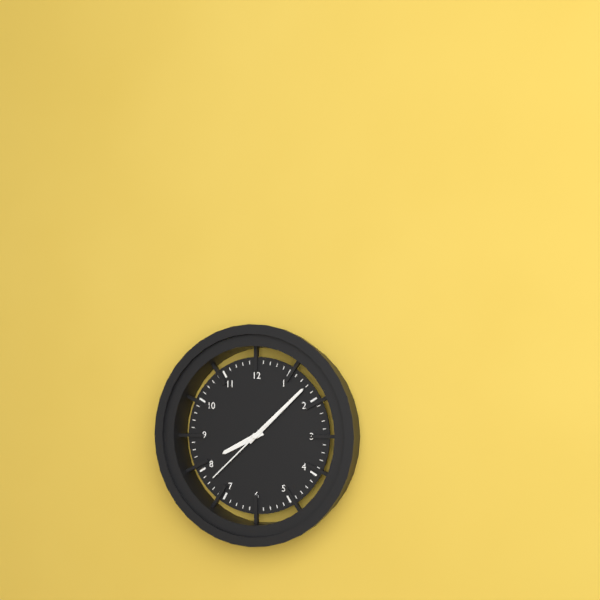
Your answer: **8:08:38**
